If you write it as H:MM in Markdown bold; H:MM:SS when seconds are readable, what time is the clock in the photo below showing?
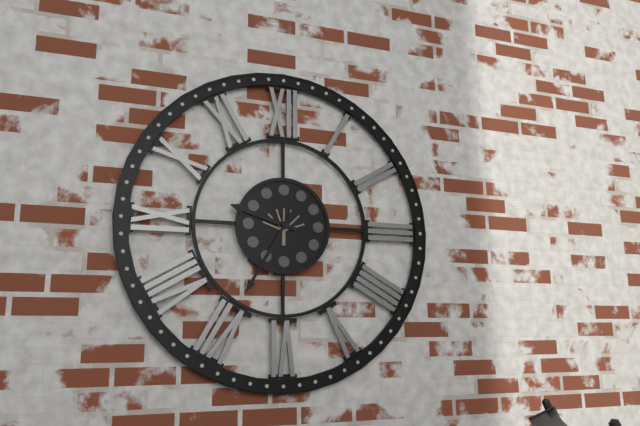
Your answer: **9:35**
